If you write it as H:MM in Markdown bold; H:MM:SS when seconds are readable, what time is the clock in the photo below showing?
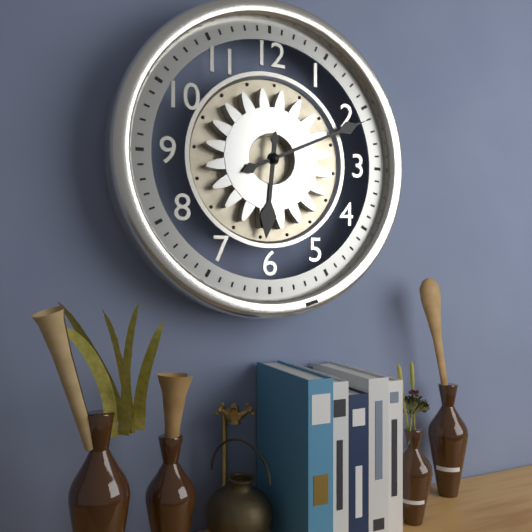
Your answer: **6:11**
